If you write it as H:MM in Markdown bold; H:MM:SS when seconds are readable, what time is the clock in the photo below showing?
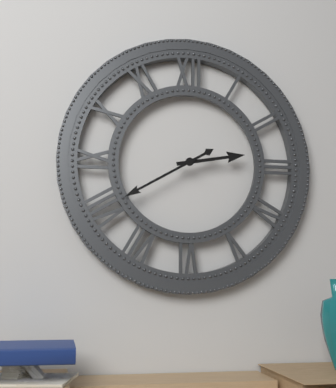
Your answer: **2:40**
